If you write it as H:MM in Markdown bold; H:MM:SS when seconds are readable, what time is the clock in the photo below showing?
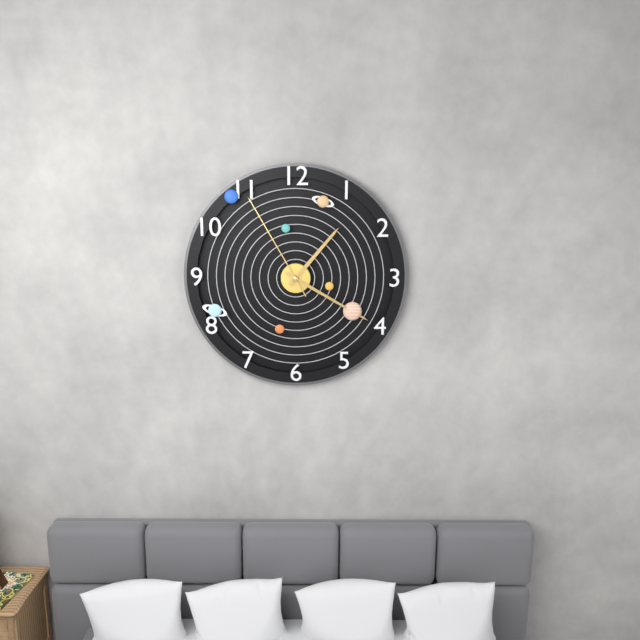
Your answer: **1:20:55**
